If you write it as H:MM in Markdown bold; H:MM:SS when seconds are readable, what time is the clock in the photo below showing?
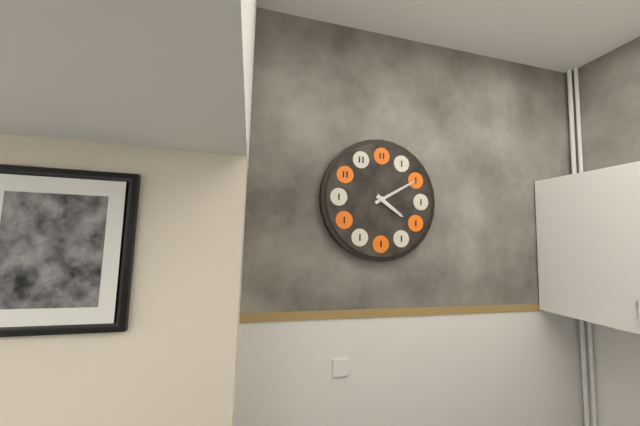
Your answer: **4:10**
